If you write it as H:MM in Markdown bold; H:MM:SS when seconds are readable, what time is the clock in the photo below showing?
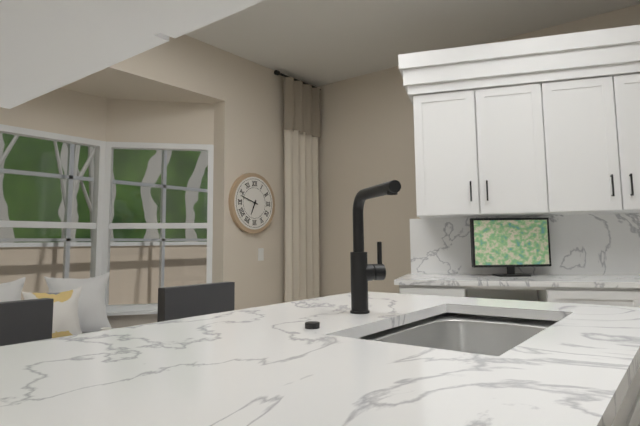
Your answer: **6:48**
